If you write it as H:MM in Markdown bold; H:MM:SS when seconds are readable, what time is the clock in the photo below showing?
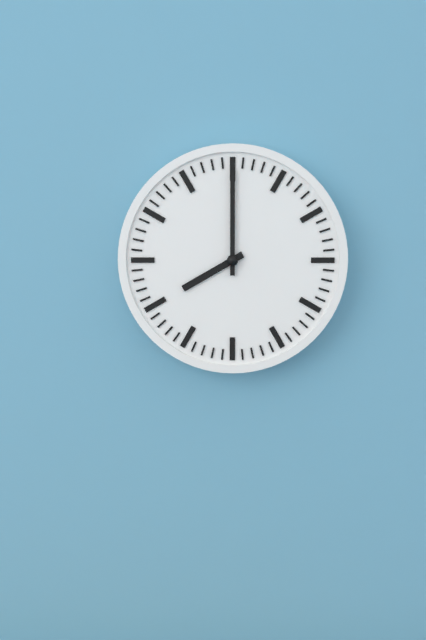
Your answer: **8:00**
